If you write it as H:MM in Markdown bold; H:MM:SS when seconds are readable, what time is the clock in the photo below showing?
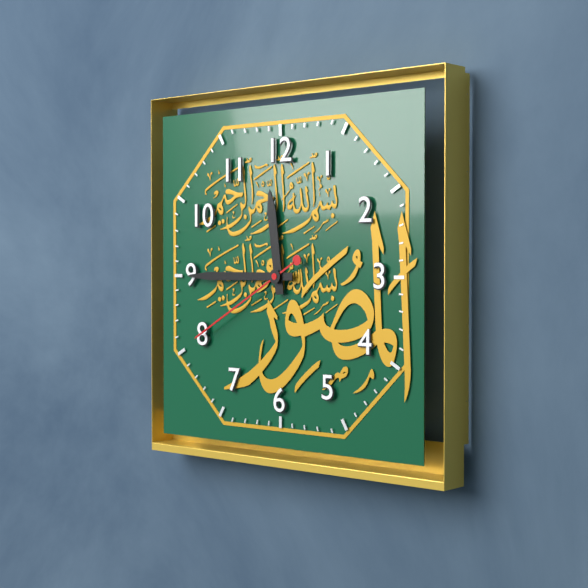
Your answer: **11:45:40**
